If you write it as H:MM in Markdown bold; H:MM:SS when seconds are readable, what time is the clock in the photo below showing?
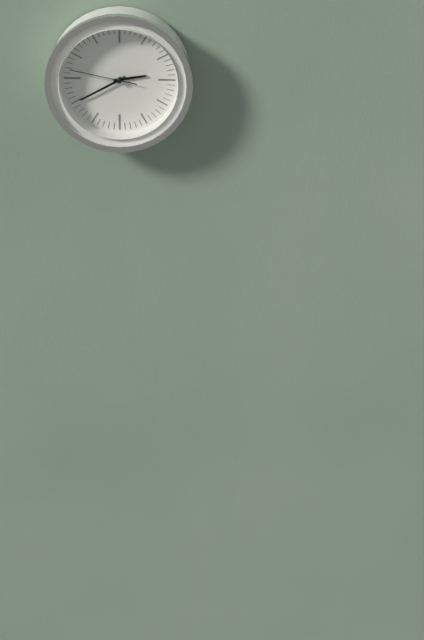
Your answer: **2:40:47**
